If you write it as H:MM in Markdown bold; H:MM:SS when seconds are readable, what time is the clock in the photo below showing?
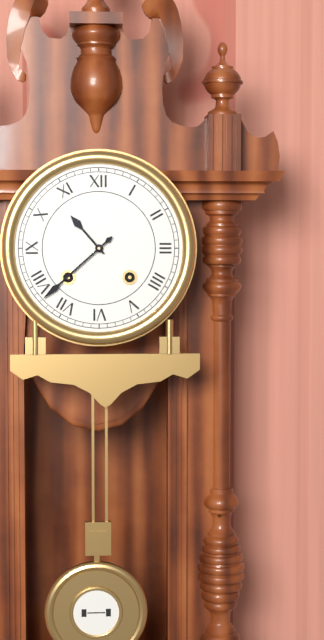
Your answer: **10:38**
